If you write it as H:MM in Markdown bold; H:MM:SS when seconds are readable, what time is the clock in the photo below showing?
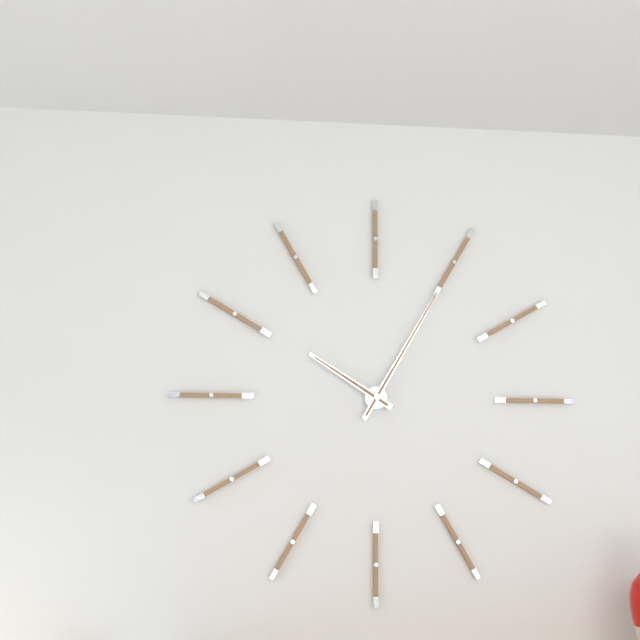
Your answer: **10:05**
